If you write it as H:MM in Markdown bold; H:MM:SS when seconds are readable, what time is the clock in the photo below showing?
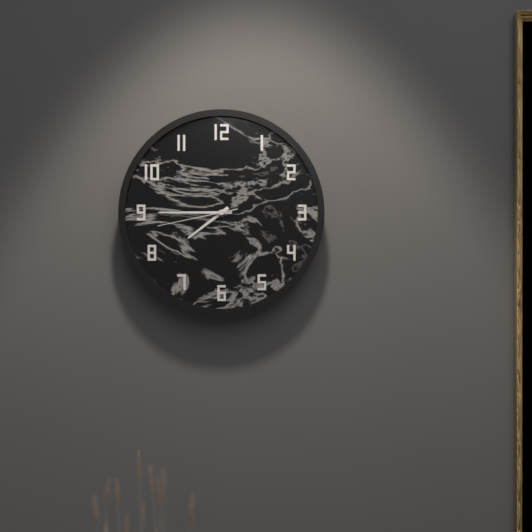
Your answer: **7:45:43**
